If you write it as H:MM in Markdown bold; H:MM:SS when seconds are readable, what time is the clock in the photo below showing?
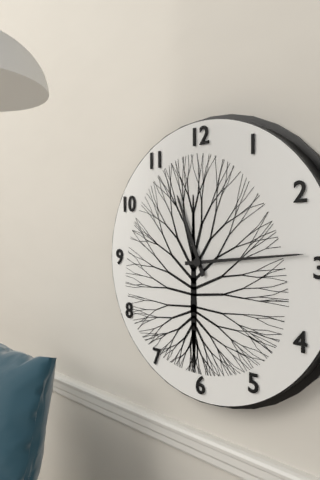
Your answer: **11:14**
